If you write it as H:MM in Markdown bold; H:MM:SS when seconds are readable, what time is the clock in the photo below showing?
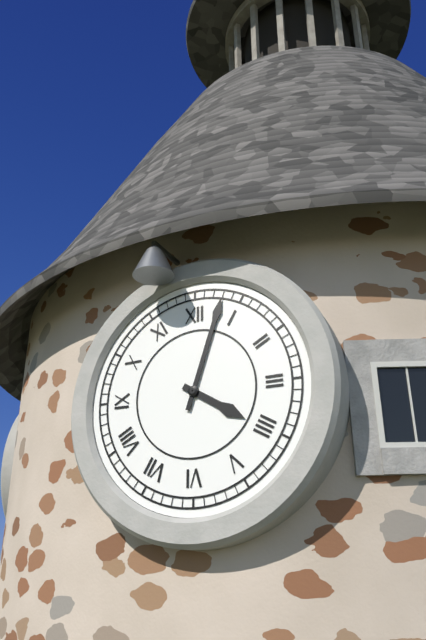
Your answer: **4:03**
